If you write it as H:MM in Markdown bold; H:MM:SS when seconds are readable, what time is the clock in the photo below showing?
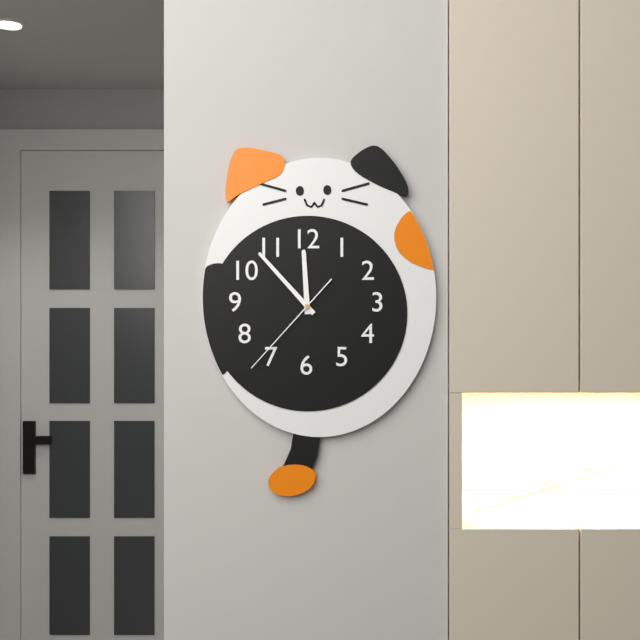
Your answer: **11:53:37**
